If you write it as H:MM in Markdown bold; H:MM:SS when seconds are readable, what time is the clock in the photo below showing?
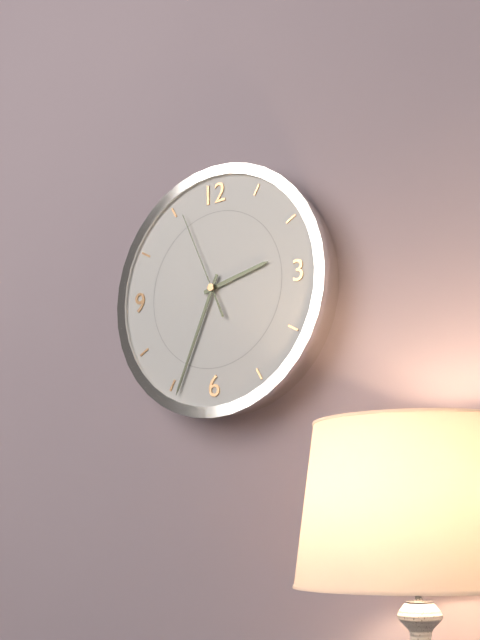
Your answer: **2:34:56**
